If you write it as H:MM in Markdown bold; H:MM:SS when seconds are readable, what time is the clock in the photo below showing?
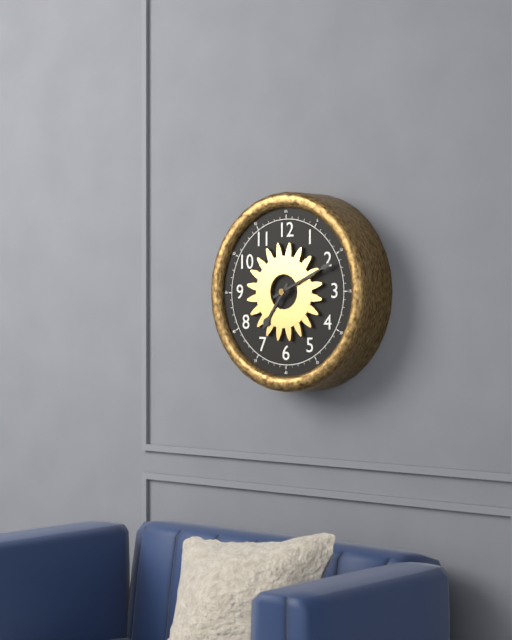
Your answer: **7:11**
